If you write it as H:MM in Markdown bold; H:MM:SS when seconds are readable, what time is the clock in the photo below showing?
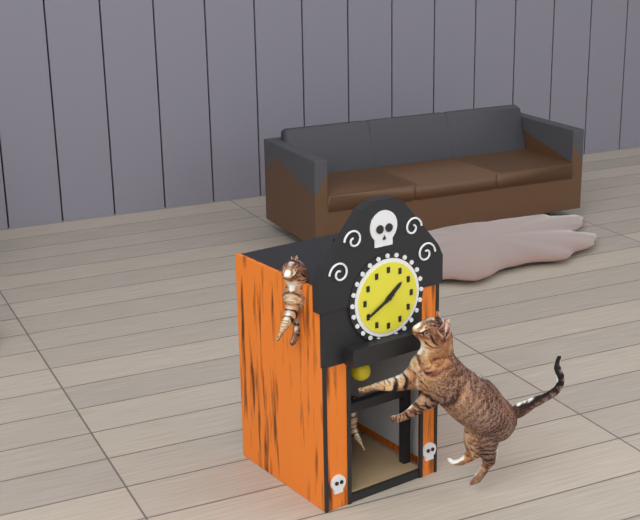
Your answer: **1:40**
